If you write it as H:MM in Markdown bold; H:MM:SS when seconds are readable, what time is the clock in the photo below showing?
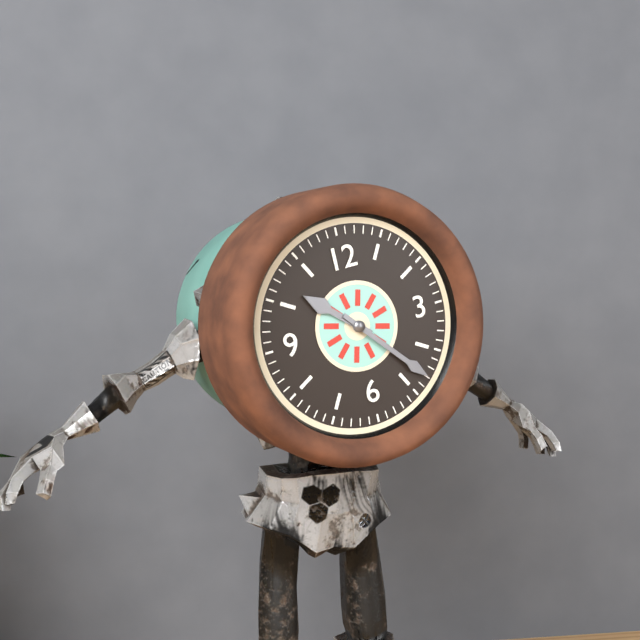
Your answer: **10:23**
